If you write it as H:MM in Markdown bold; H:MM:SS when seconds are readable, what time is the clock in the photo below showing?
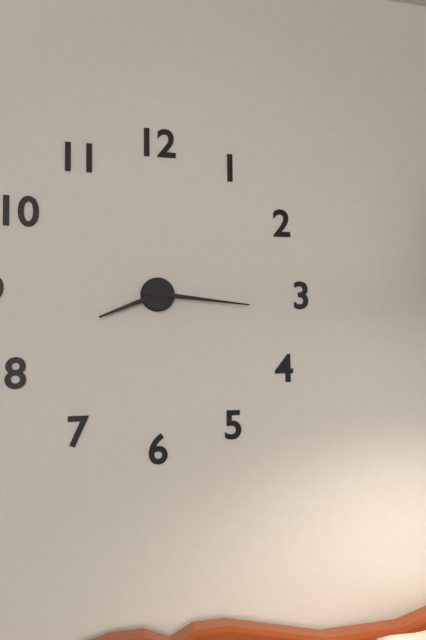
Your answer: **8:16**
